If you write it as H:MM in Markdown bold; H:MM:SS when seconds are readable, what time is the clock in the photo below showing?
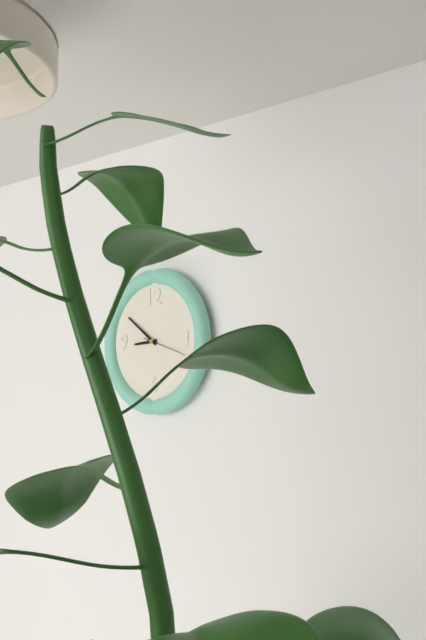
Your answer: **8:51**
